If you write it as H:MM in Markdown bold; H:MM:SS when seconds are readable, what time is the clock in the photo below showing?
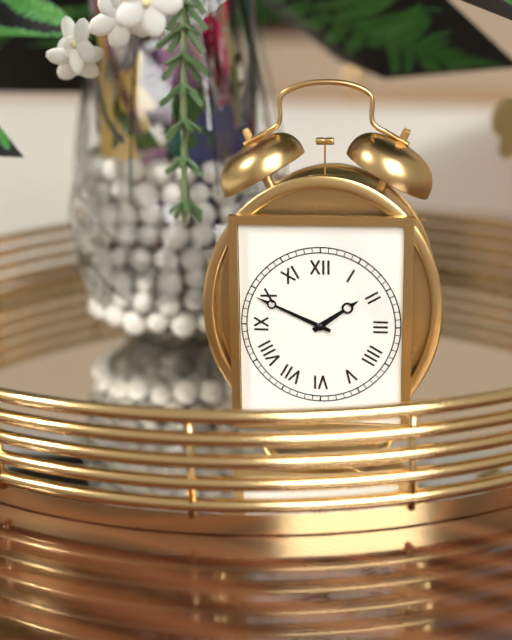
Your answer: **1:49**
